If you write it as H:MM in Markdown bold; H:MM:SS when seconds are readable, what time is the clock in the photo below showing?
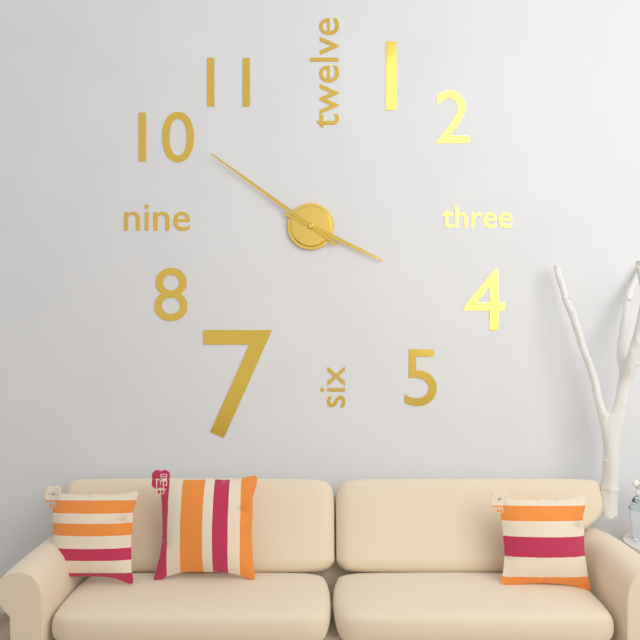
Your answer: **3:51**
